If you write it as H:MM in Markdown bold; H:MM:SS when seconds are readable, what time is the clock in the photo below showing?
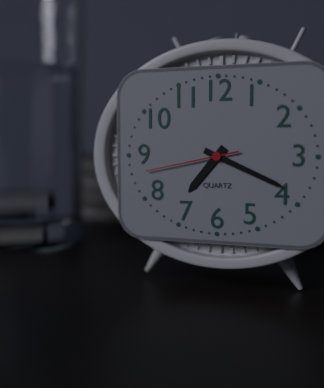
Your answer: **7:19:43**
